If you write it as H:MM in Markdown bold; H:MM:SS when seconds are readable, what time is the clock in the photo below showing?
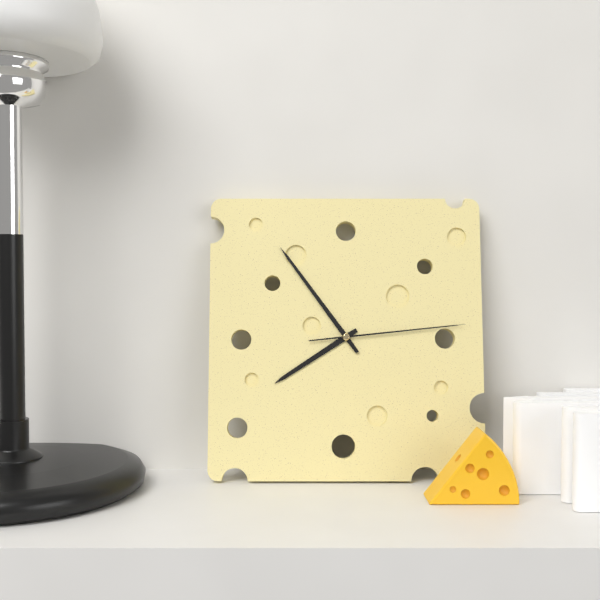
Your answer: **7:54:14**
